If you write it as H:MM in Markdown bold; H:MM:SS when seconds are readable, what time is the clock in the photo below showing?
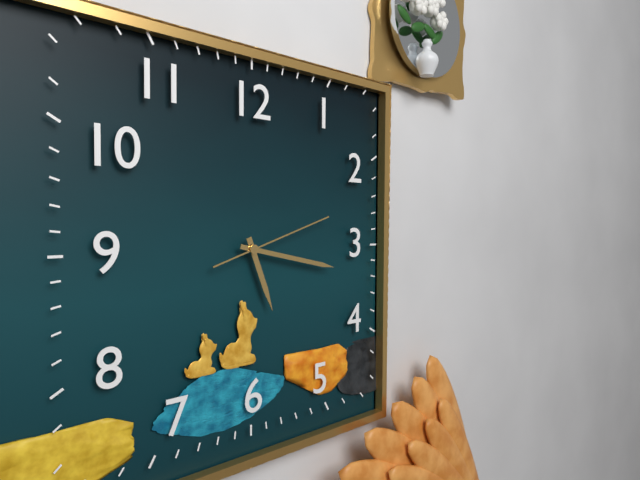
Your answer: **5:17:12**
